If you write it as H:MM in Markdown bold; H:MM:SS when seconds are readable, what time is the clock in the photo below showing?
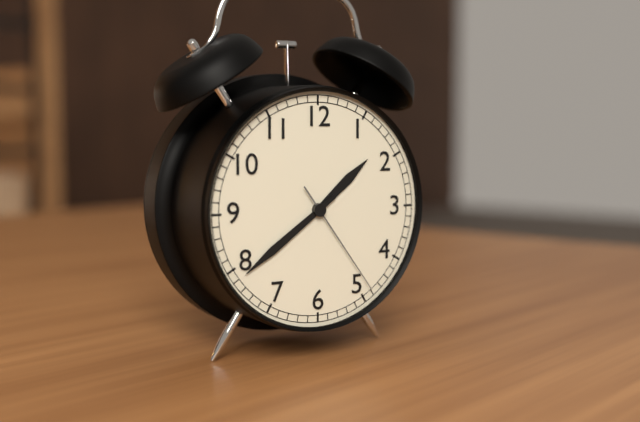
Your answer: **1:39:24**
